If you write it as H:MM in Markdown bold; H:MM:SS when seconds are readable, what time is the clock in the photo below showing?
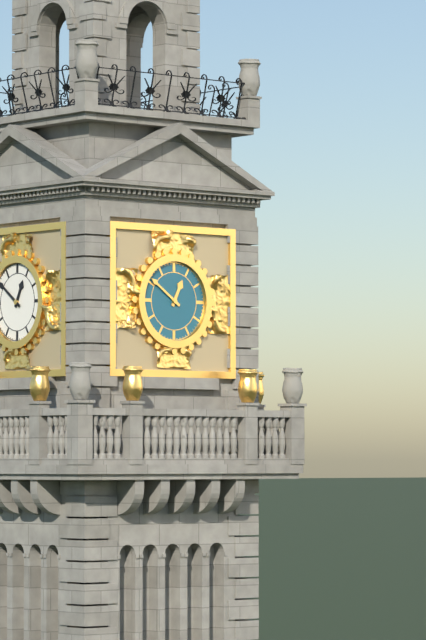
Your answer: **12:51**
